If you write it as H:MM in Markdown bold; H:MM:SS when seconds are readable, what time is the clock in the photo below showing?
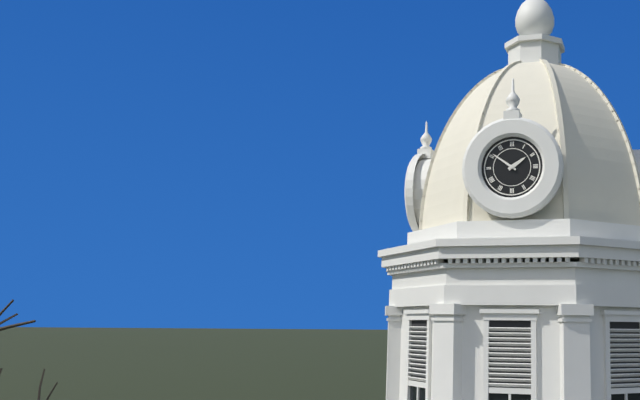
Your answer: **1:51**
